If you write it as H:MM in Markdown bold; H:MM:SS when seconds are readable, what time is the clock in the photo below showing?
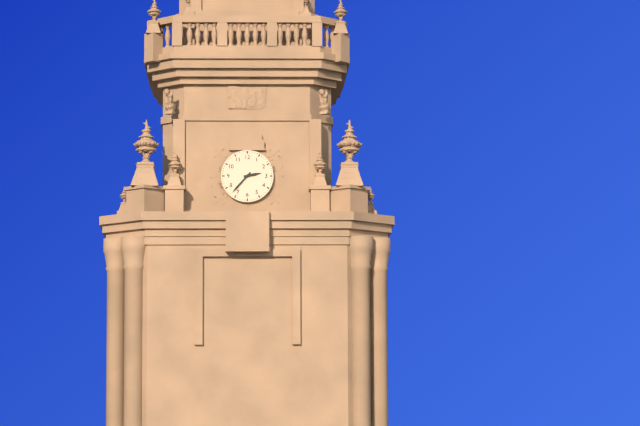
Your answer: **2:37**
